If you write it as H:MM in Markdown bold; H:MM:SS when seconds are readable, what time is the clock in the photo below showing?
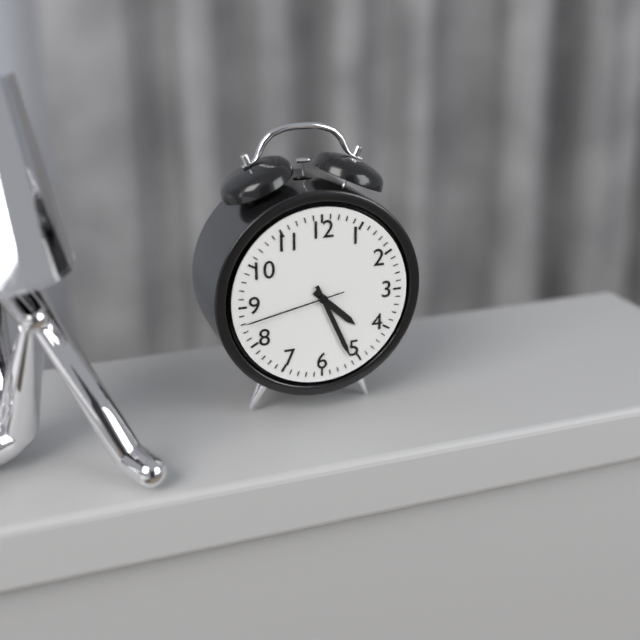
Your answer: **4:26:43**
